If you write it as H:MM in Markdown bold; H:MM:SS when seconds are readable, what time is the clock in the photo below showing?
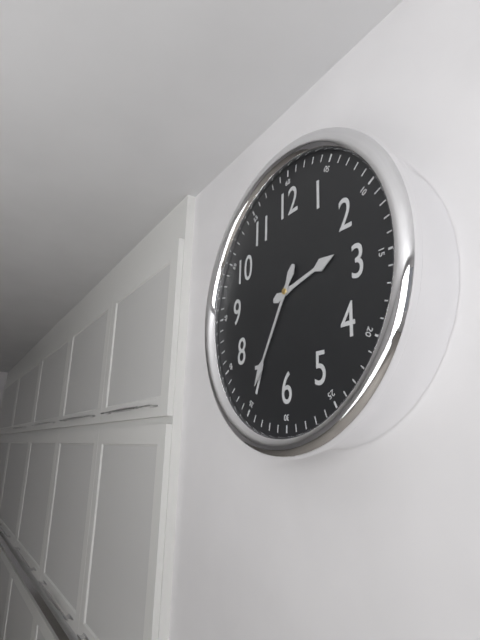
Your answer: **2:35**
